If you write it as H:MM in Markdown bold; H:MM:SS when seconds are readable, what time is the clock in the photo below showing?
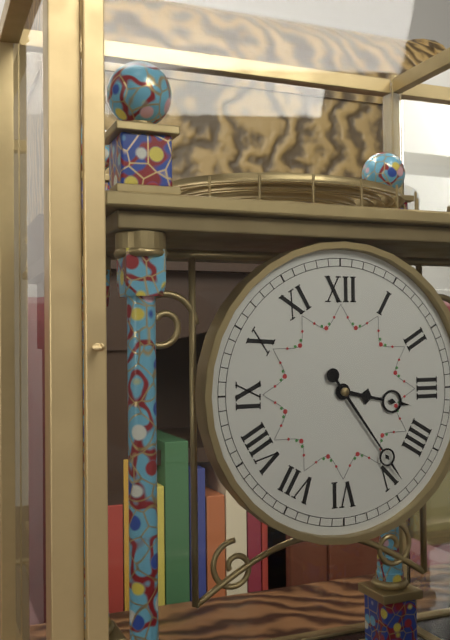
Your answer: **3:24**
